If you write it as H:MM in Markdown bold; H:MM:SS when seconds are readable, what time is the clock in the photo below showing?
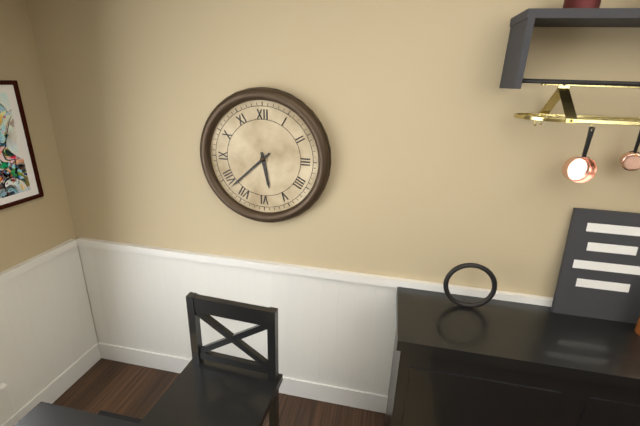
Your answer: **5:38**
